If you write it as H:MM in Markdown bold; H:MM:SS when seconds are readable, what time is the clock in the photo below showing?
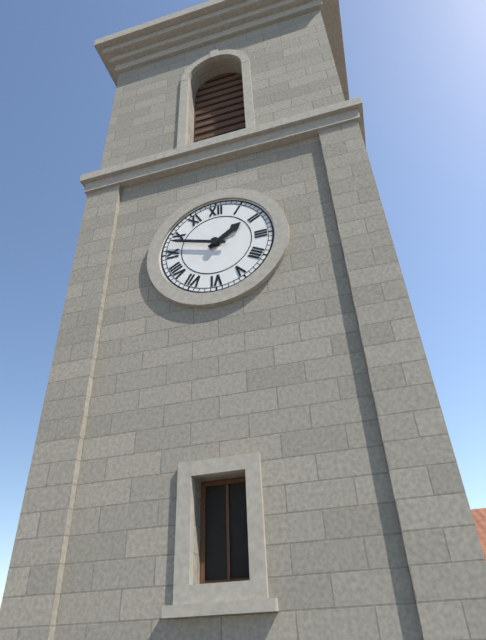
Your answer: **1:48**
